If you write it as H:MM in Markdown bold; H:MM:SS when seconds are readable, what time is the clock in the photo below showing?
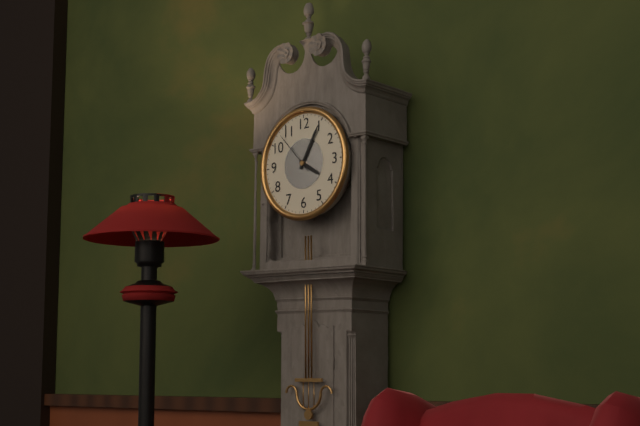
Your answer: **4:05**
